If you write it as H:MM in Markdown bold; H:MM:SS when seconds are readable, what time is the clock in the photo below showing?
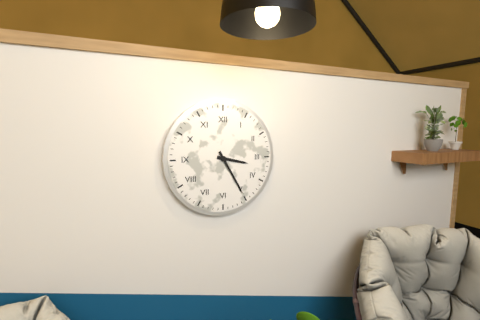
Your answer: **3:25**
